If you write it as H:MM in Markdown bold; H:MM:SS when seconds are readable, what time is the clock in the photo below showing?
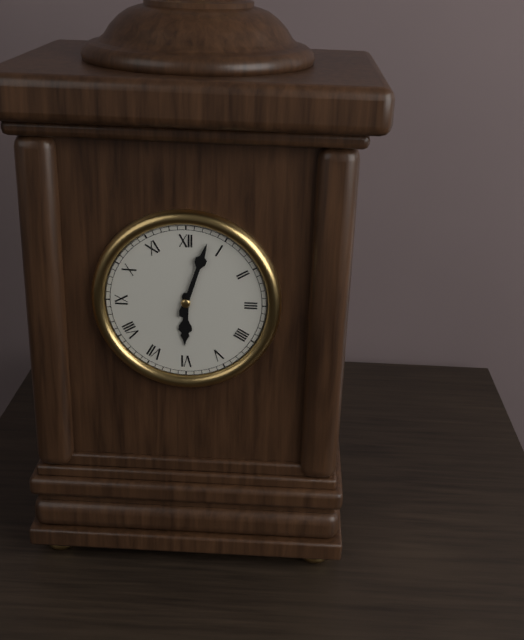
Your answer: **6:03**
